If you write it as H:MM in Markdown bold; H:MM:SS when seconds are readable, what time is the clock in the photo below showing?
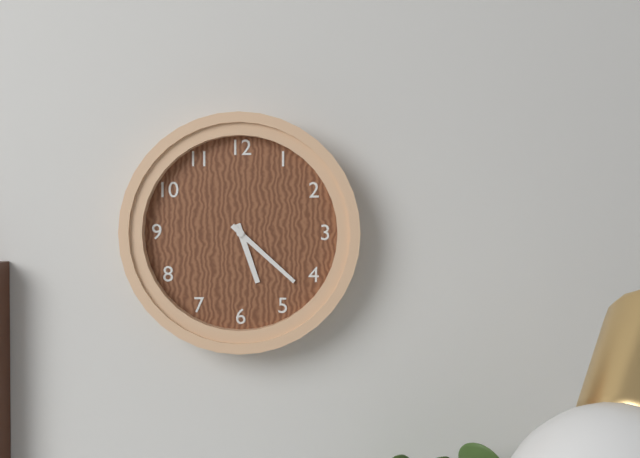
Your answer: **5:22**
